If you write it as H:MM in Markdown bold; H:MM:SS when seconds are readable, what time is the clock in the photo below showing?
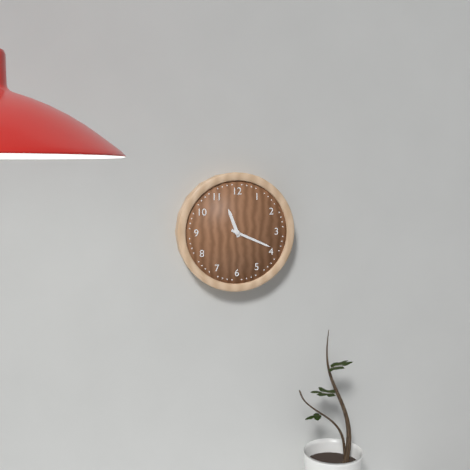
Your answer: **11:19**
